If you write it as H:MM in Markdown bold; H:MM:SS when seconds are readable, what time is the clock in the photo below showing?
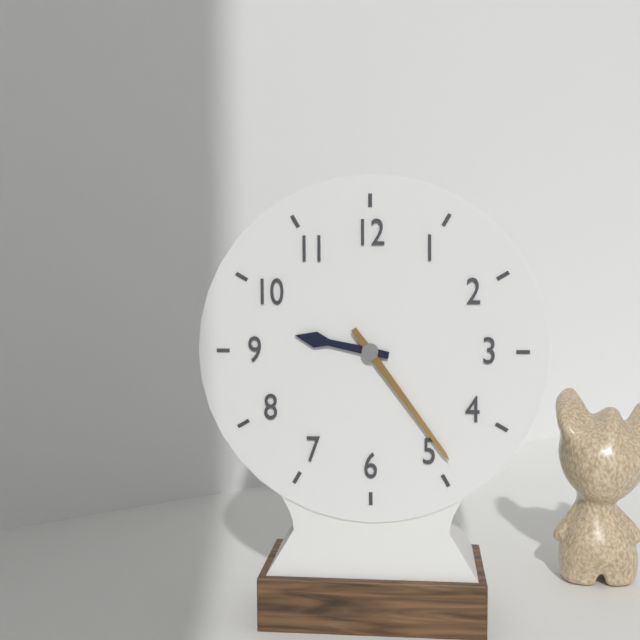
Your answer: **9:24**
